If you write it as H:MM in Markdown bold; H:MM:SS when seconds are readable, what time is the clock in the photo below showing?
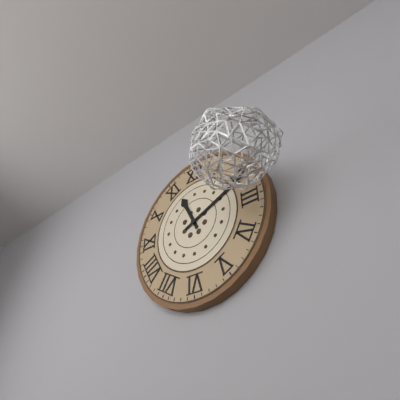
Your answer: **11:11**
